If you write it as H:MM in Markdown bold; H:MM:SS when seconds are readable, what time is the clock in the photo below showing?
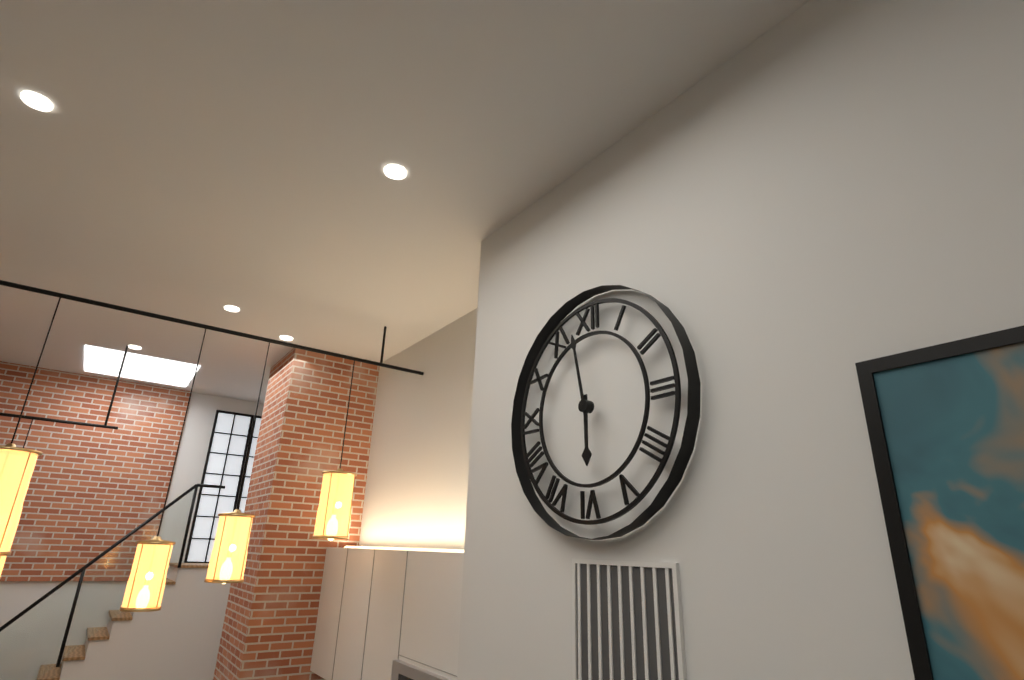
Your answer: **5:58**
